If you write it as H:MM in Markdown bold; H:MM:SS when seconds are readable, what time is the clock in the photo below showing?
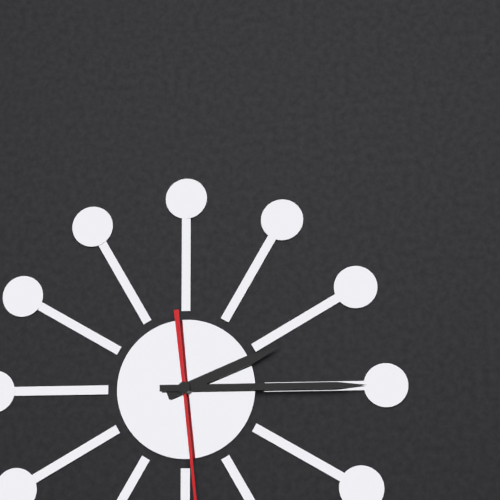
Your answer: **2:15**
